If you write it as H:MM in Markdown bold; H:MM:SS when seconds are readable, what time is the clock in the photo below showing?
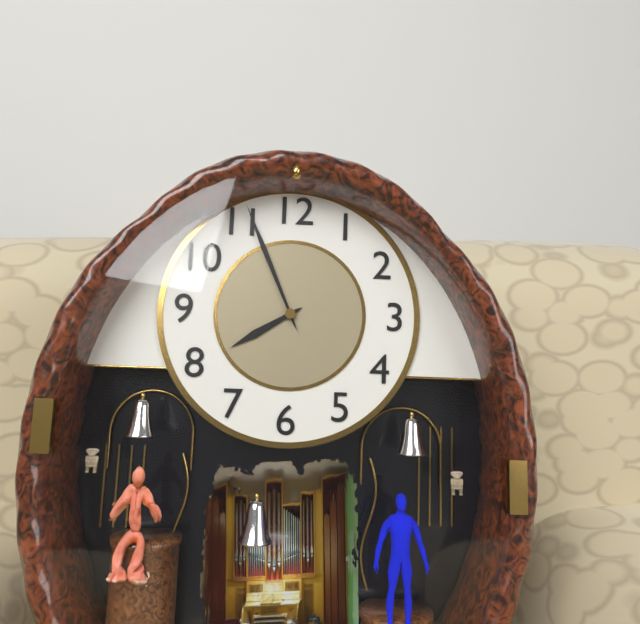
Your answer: **7:56**
